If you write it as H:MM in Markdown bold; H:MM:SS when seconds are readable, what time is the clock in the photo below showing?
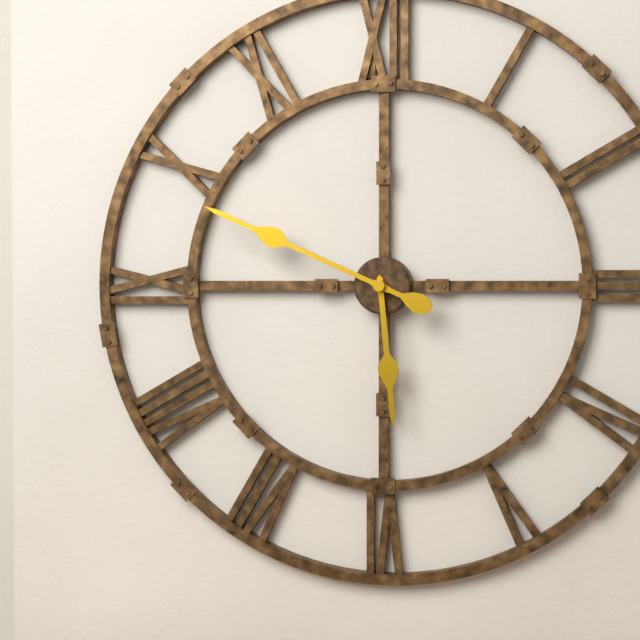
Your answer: **5:49**
